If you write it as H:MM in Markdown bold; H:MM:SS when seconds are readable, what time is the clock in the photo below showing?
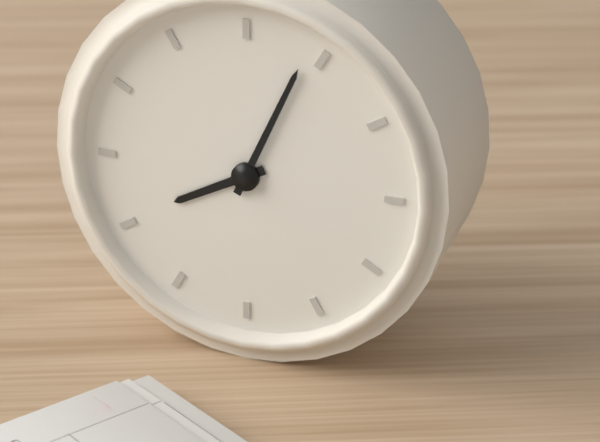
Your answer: **8:04**
